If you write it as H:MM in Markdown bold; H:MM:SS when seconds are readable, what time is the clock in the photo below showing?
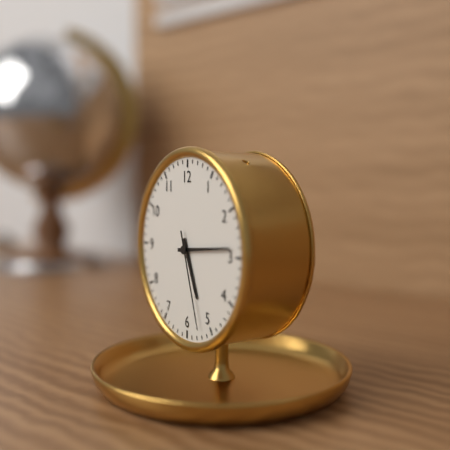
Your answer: **5:14:27**
